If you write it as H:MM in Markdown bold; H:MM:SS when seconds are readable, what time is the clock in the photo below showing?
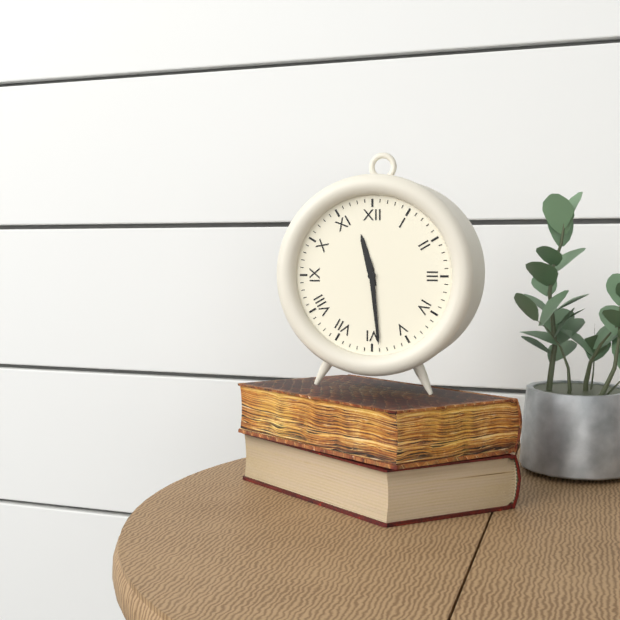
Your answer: **11:29**
